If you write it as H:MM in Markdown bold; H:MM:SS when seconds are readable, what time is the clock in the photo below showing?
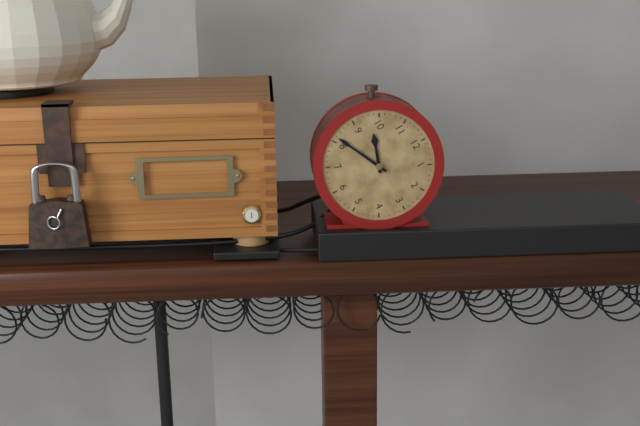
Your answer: **9:41**
